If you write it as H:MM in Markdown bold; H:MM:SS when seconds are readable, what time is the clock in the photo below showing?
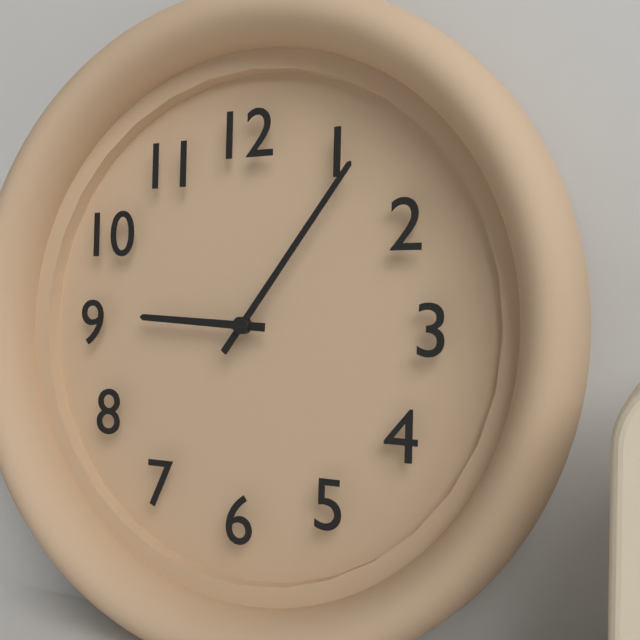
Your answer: **9:06**
